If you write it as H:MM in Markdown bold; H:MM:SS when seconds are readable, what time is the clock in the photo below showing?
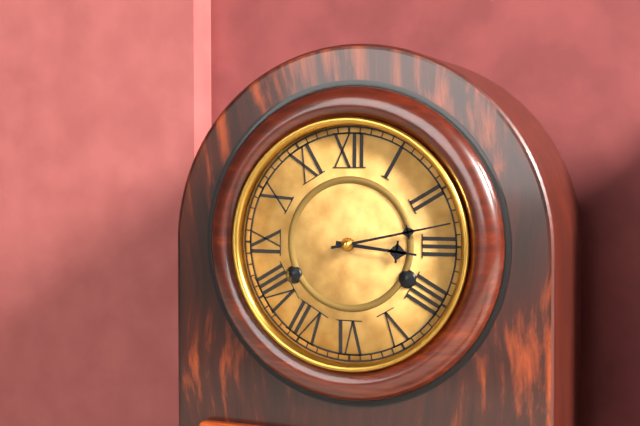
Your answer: **3:13**
